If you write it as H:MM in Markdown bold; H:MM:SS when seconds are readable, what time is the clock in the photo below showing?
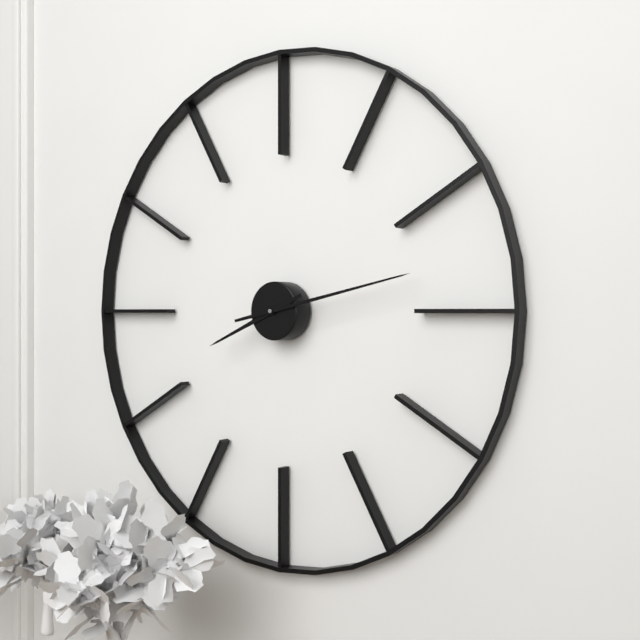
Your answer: **8:13**
